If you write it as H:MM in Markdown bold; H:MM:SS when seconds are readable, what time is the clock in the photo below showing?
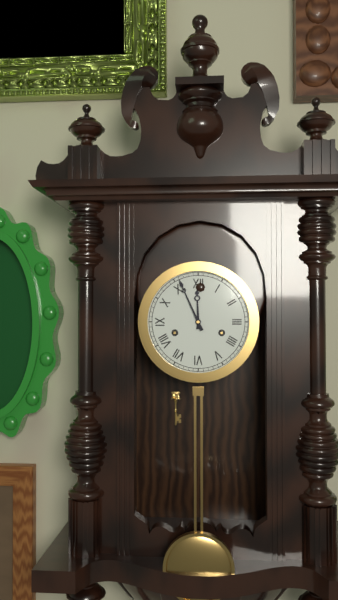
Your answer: **11:56**
